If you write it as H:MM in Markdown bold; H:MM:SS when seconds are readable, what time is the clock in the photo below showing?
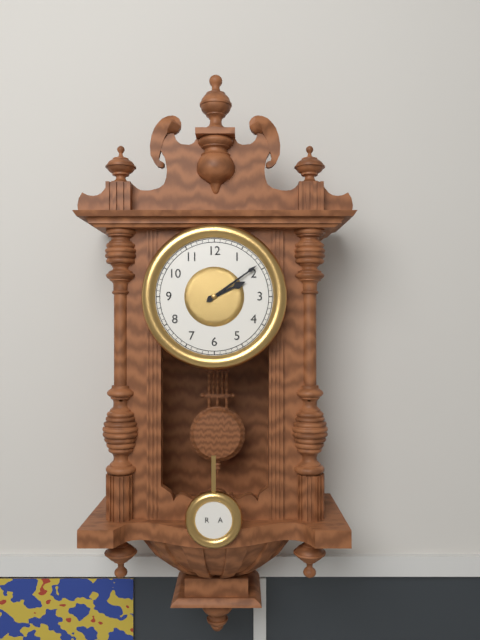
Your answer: **2:09**
